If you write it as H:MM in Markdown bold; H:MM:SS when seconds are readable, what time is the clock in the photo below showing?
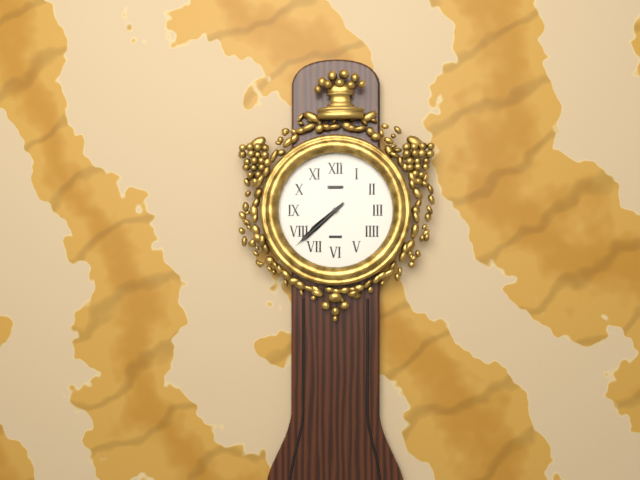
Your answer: **7:38**
